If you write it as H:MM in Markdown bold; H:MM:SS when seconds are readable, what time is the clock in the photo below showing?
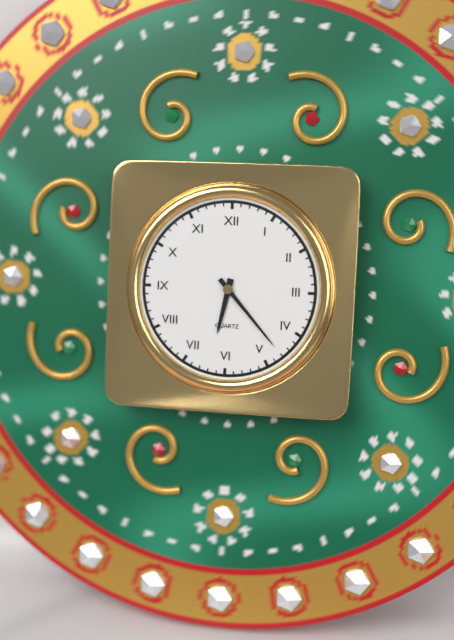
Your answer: **6:23**
